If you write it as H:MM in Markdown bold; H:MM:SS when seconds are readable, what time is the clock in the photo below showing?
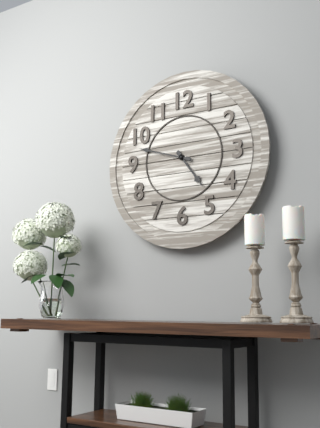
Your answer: **4:48**
